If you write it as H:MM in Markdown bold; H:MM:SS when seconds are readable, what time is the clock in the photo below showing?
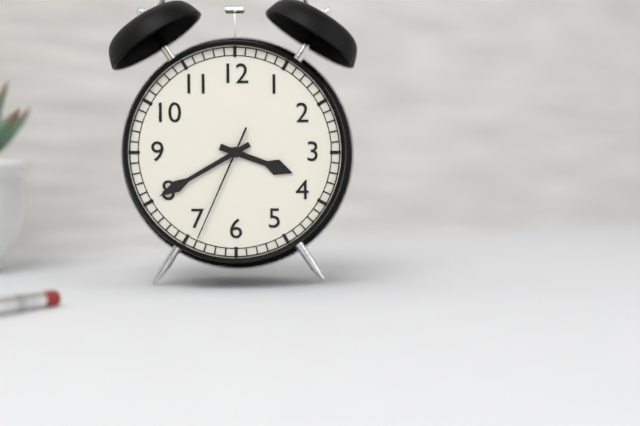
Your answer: **3:40:34**
